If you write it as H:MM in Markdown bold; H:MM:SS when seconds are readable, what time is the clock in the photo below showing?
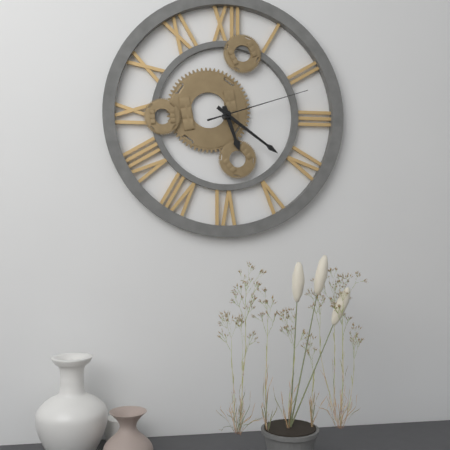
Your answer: **5:21:12**
